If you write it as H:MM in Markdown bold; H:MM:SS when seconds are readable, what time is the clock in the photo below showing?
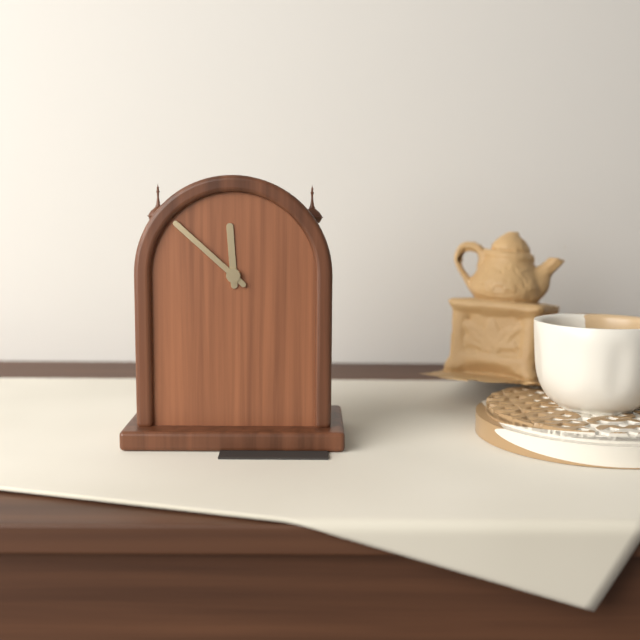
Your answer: **11:52**
